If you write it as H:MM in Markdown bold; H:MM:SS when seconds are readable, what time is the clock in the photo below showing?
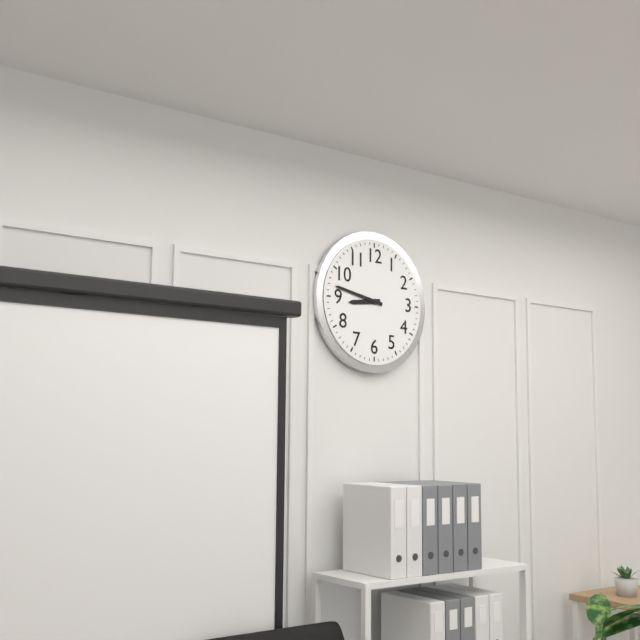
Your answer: **8:47**
